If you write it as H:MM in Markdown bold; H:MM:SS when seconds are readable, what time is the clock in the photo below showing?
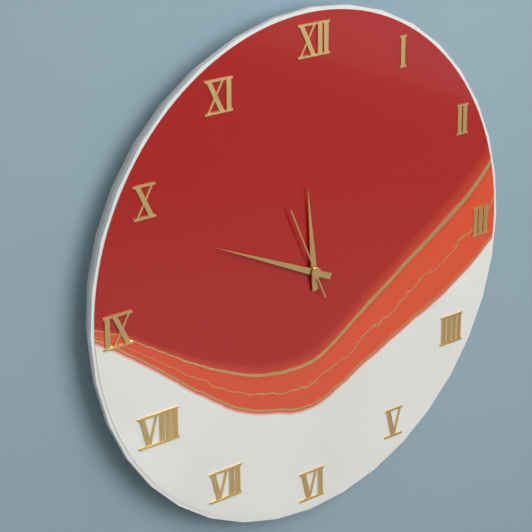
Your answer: **11:49:56**
